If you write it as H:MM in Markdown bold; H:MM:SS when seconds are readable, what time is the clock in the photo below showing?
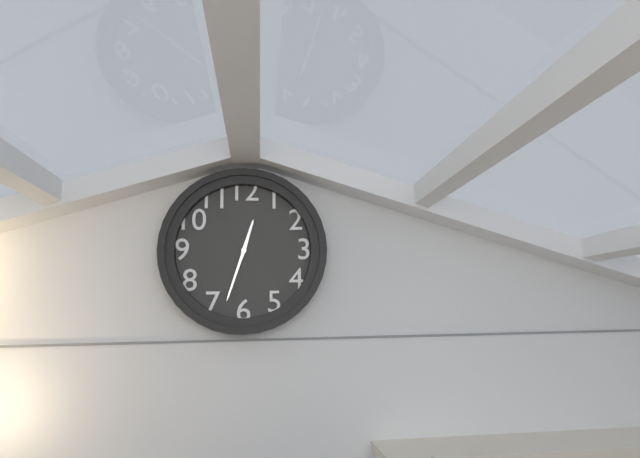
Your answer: **12:33**
